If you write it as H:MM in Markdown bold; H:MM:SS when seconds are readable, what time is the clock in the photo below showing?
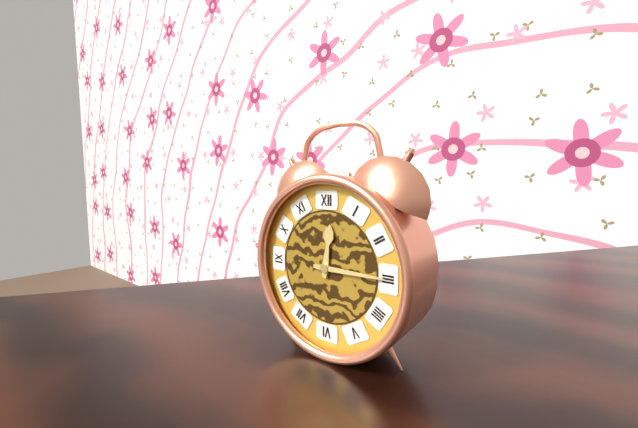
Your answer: **12:15**
